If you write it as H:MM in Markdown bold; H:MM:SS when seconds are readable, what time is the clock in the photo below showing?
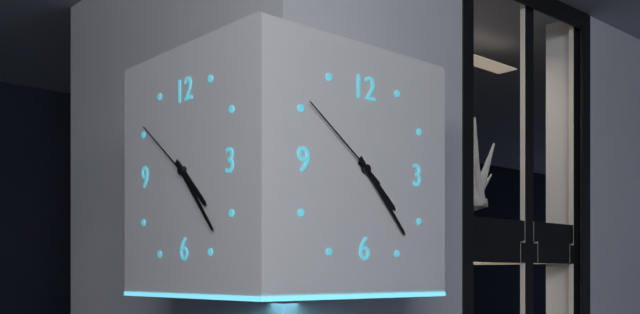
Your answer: **4:23:51**
